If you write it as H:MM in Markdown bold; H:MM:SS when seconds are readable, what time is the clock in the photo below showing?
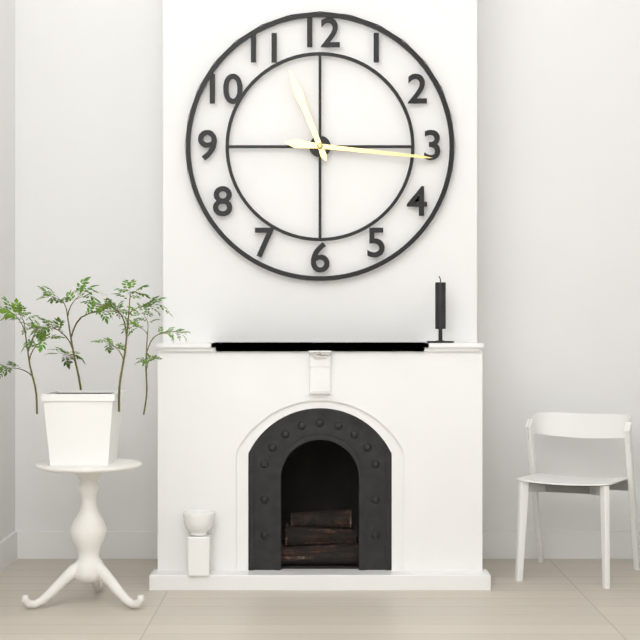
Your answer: **11:16**
